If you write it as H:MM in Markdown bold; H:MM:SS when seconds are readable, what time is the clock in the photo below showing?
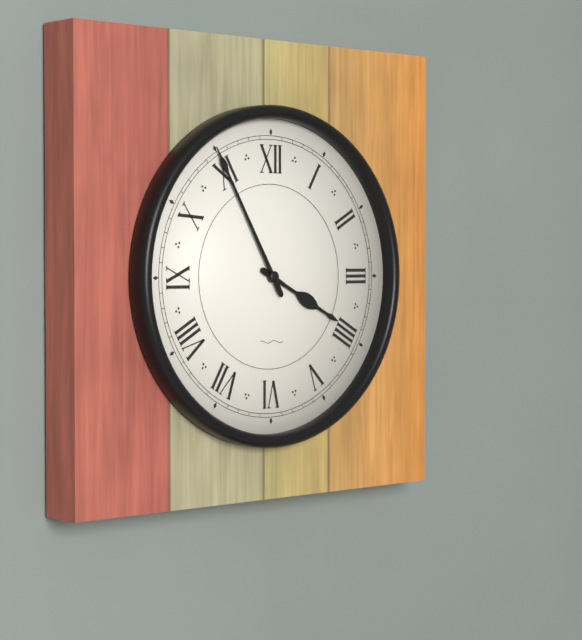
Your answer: **3:55**
